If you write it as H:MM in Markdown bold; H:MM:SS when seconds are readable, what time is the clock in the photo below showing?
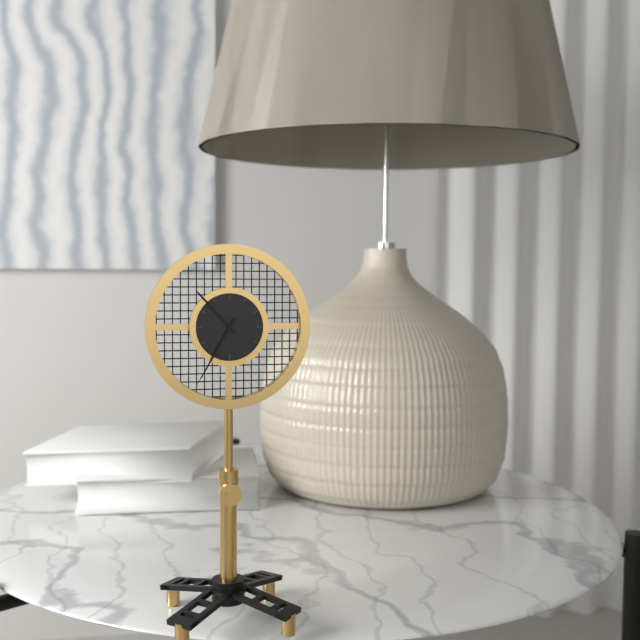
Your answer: **10:35**
